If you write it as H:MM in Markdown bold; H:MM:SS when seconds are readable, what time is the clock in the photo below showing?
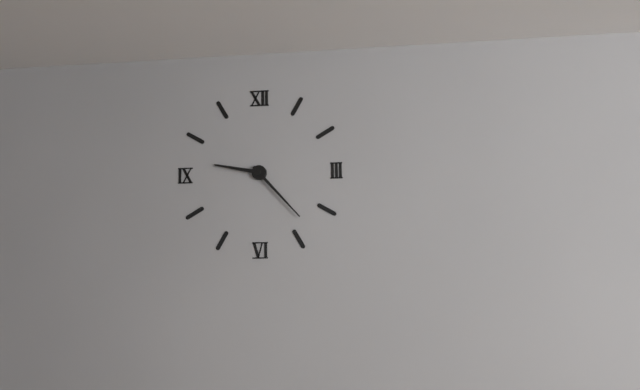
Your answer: **9:23**
